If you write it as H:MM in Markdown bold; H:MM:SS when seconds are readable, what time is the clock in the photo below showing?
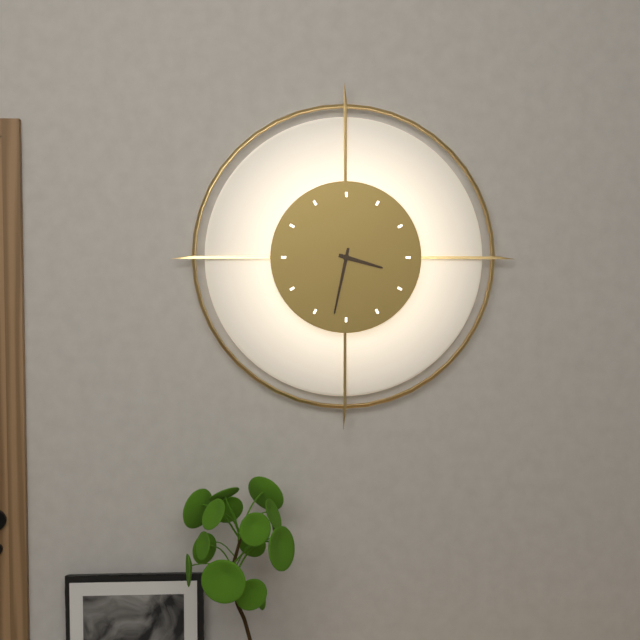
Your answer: **3:32**
